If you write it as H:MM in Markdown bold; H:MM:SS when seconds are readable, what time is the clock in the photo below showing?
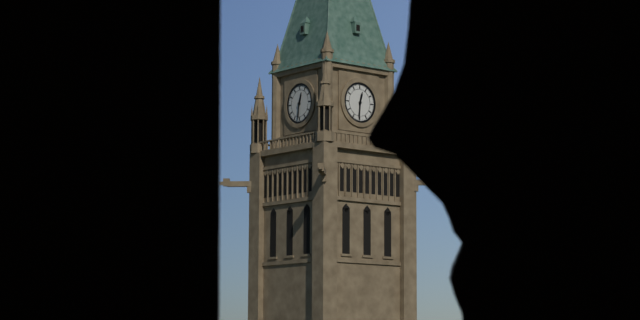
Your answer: **12:31**
